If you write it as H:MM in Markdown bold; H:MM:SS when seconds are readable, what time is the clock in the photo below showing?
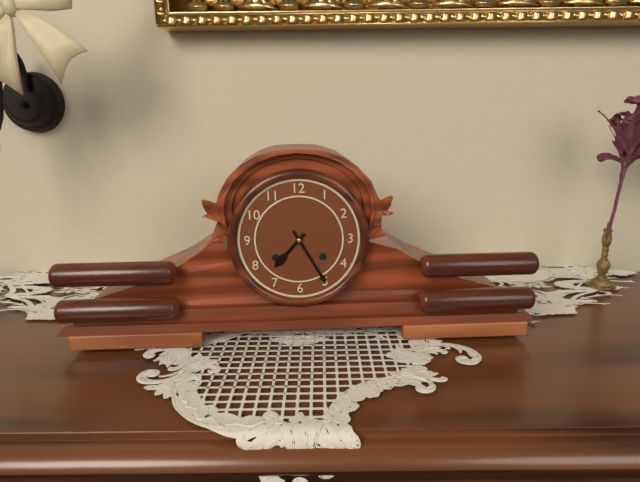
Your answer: **7:25**
